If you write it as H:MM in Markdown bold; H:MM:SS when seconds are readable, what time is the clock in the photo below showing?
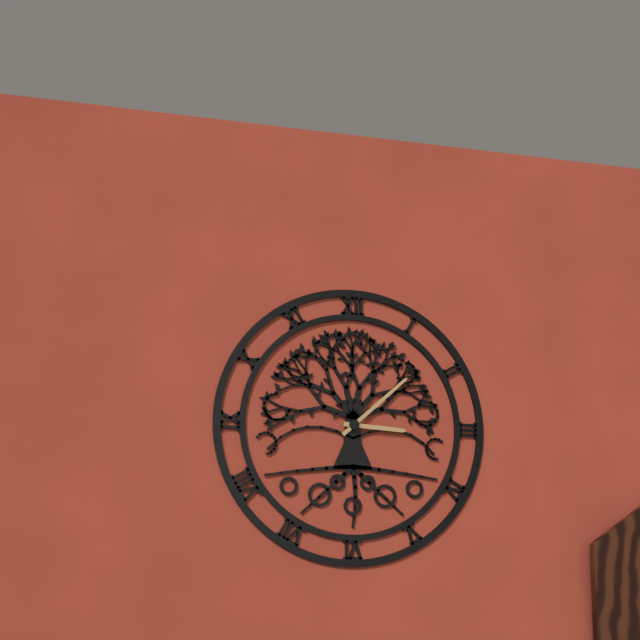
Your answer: **3:08**
